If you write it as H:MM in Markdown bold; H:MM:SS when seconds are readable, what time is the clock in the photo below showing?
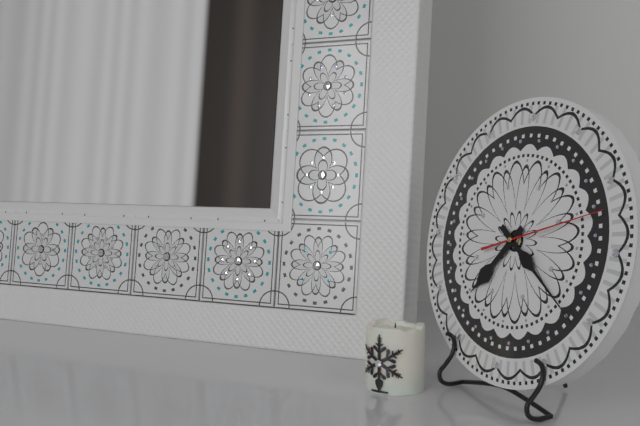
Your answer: **7:21:12**
